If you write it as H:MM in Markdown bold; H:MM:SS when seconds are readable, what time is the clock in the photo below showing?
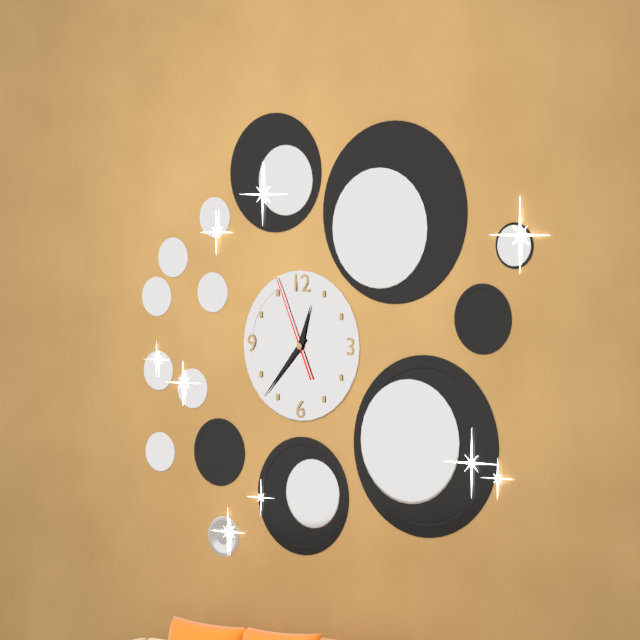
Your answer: **12:37:56**
